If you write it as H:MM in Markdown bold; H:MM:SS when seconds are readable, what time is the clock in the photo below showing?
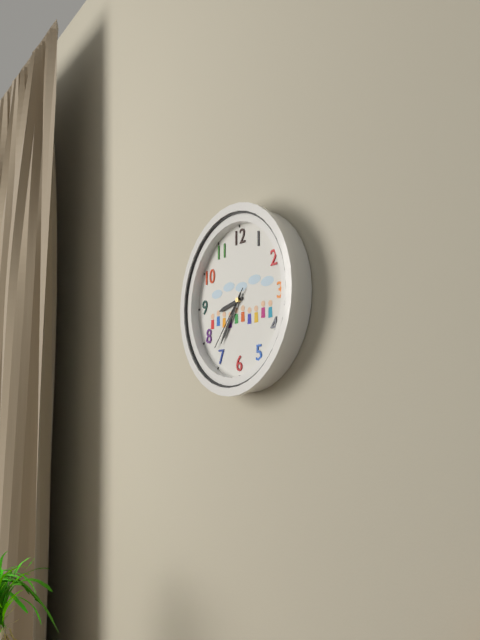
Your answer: **8:36:37**
